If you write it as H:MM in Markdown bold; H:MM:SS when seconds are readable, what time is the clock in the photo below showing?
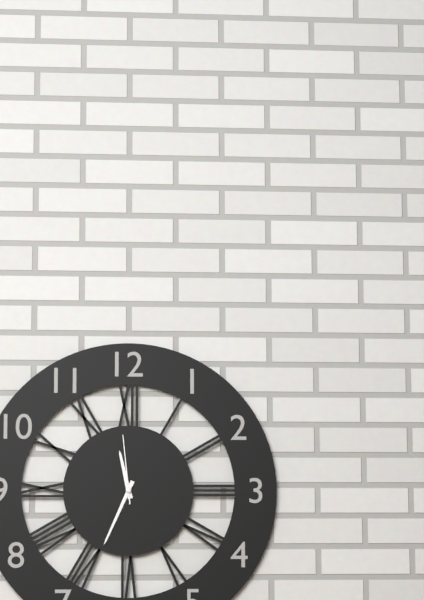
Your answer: **11:34:59**
